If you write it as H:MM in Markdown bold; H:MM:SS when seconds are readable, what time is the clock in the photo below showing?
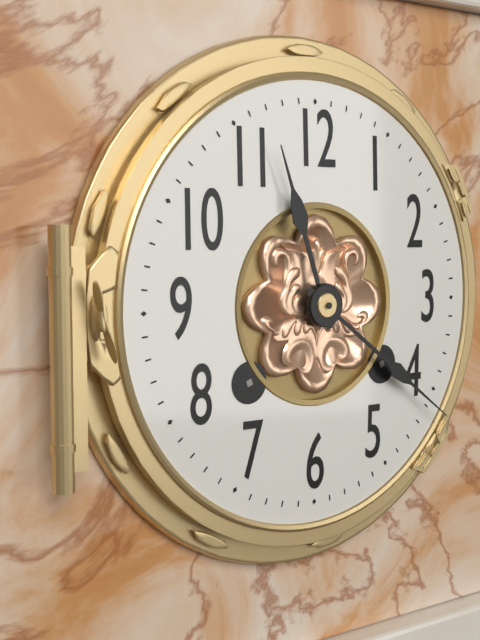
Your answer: **11:21**
